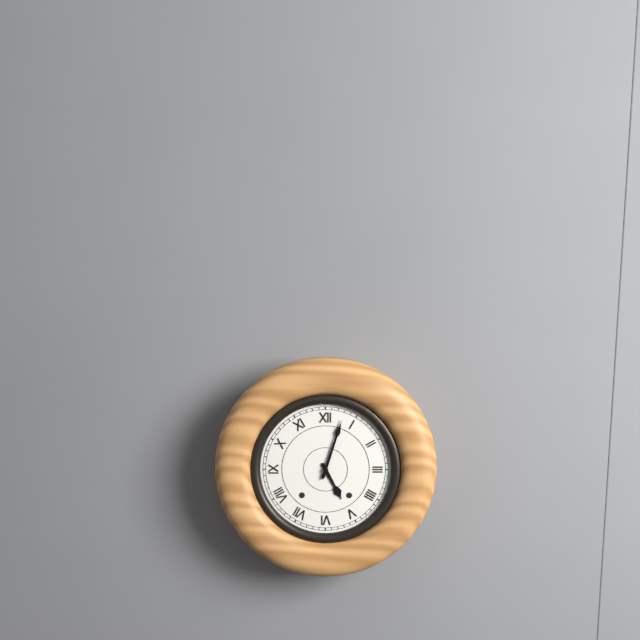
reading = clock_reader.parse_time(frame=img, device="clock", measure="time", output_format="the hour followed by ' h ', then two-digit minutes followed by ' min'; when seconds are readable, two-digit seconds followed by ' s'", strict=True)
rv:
5 h 03 min
